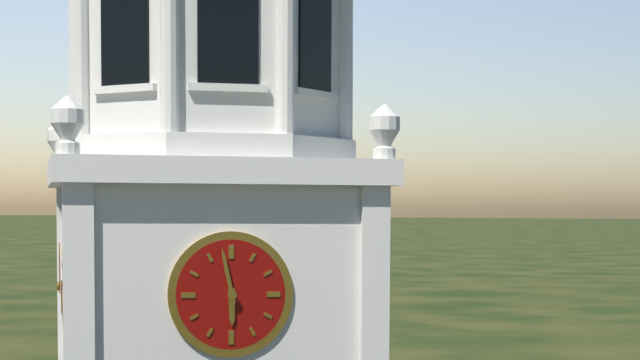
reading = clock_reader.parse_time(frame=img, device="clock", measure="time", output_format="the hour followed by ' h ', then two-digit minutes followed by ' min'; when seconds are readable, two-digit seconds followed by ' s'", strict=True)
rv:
5 h 58 min
